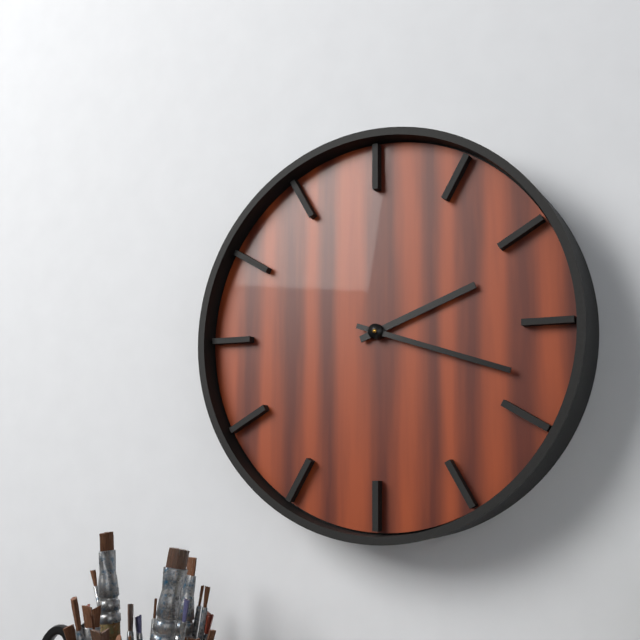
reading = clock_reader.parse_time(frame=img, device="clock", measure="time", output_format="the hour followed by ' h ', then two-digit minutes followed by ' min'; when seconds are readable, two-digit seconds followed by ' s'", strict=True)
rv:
2 h 18 min
